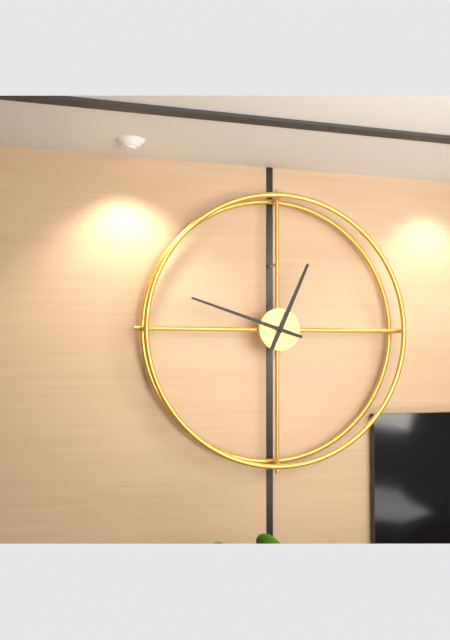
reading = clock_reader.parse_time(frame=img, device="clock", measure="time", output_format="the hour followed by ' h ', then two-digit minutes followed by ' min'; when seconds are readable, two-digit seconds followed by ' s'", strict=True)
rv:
12 h 48 min
